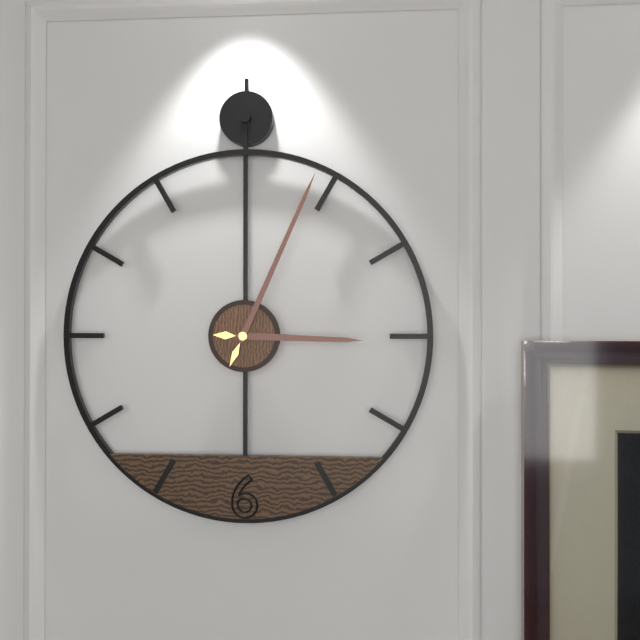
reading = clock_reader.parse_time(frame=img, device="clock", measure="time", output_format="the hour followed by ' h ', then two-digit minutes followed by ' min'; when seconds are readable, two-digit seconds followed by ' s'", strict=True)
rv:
3 h 04 min
